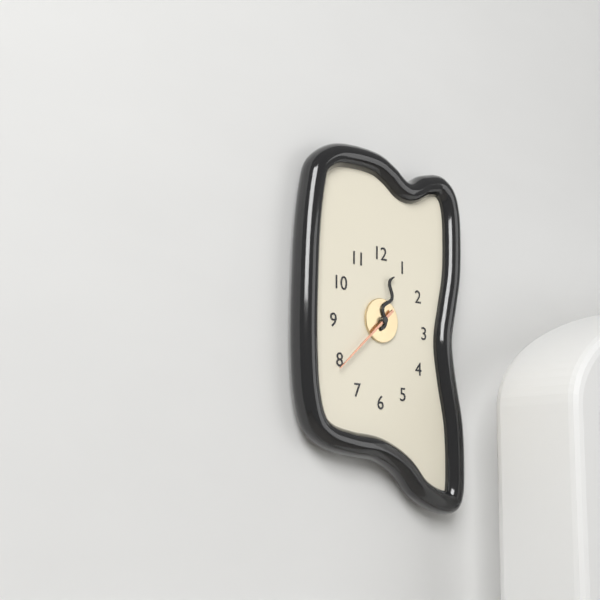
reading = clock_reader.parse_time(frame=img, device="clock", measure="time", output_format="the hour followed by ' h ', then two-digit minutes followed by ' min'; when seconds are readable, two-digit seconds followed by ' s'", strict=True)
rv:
12 h 38 min
